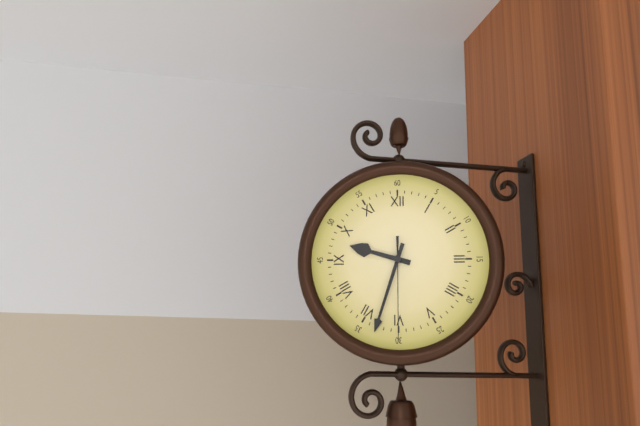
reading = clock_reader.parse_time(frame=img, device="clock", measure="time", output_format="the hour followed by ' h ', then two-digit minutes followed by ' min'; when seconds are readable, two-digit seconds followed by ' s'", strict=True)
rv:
9 h 33 min 30 s
